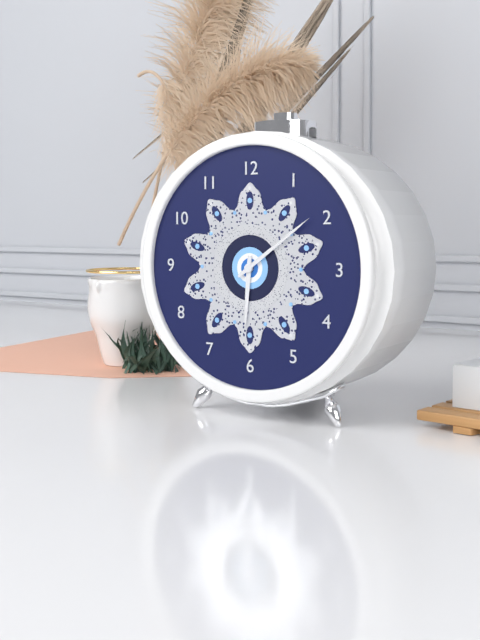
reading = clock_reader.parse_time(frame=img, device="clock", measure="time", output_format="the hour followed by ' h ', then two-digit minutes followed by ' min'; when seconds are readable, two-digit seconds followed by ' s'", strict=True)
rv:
6 h 09 min
